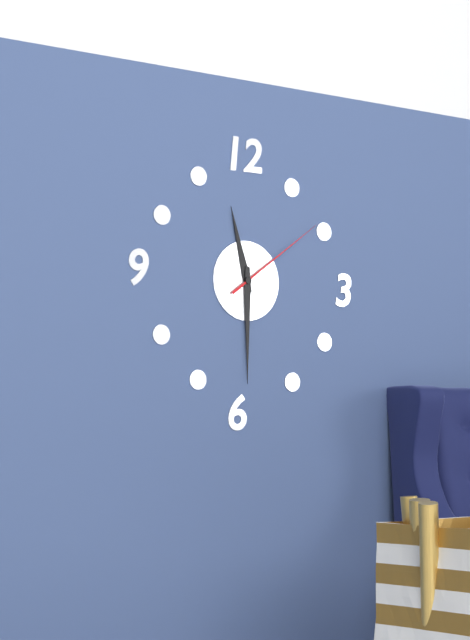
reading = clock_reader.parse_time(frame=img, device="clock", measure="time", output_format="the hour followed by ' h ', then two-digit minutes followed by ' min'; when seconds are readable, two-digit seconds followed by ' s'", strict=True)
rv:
11 h 30 min 09 s
